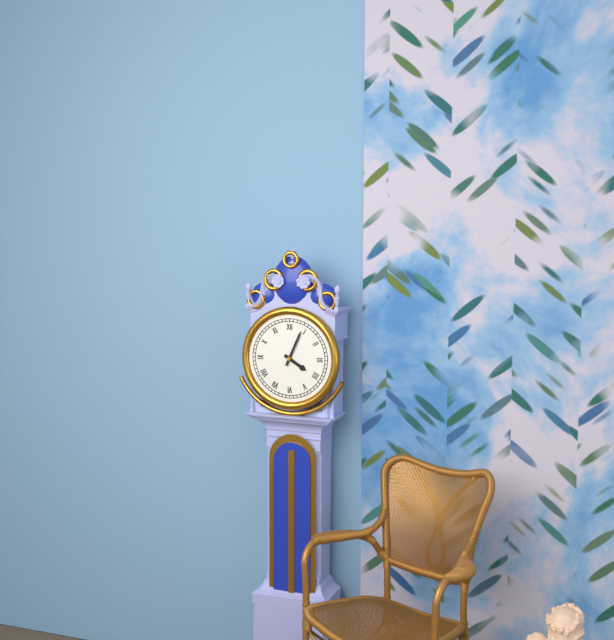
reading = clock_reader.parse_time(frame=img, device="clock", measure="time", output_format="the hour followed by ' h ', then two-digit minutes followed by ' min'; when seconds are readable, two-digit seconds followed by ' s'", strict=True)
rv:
4 h 04 min
